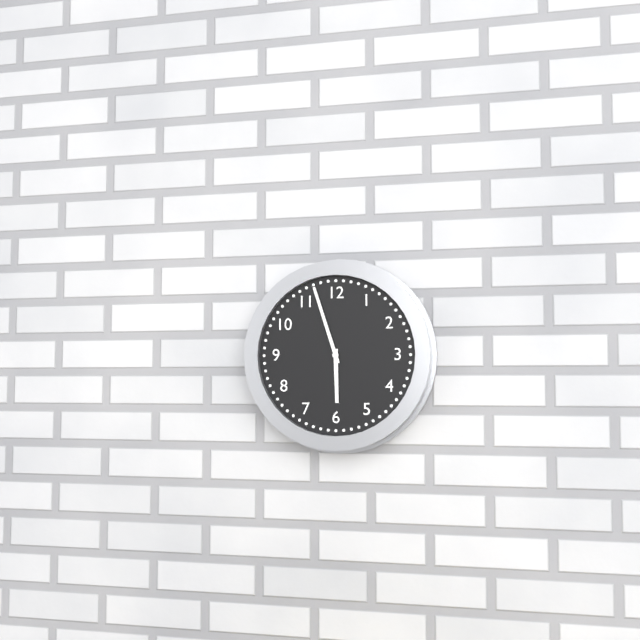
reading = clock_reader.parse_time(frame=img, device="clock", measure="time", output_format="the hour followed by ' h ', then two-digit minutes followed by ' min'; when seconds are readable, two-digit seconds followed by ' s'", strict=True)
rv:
5 h 57 min
